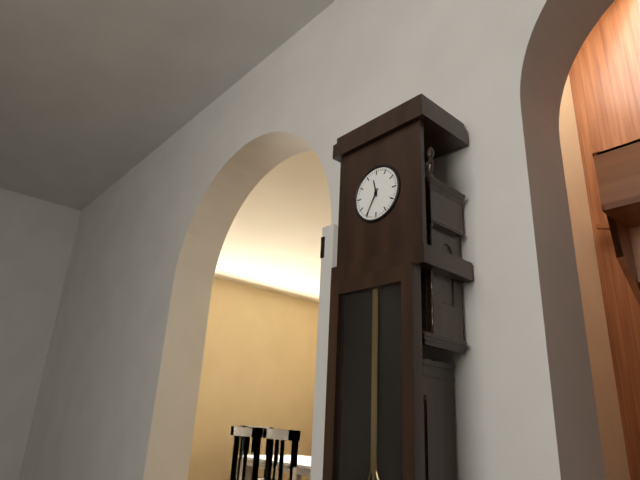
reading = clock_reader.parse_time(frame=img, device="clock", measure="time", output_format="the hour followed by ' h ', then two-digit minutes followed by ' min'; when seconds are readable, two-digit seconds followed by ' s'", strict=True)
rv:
11 h 35 min
